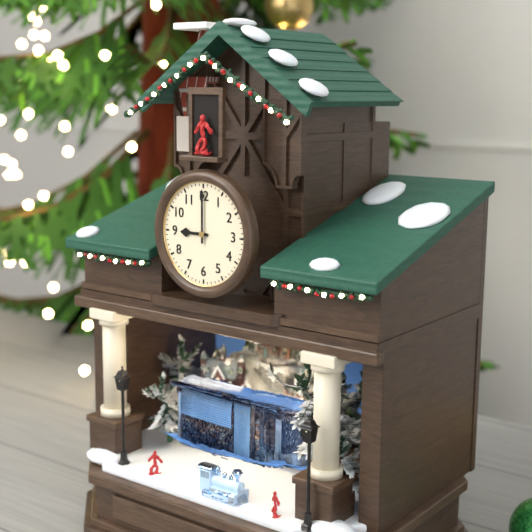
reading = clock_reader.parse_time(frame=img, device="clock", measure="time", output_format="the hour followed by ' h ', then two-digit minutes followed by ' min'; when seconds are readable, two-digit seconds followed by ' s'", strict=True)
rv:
9 h 00 min
